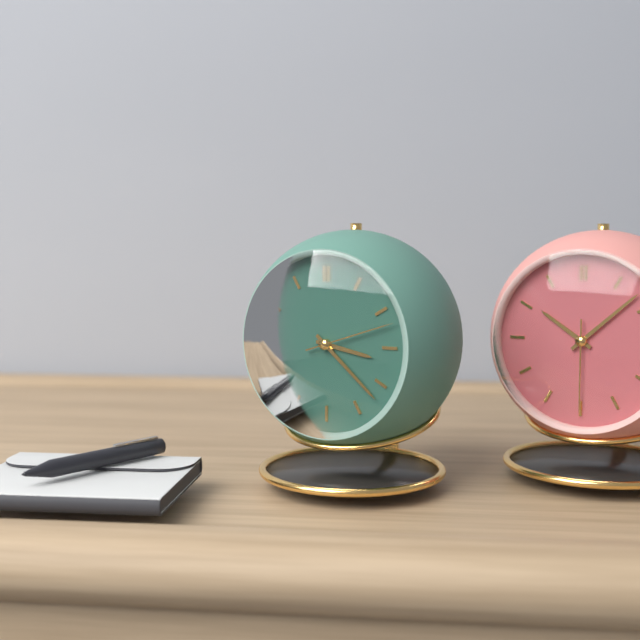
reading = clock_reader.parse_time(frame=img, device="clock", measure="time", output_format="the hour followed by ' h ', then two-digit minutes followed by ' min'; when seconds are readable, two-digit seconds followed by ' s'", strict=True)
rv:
3 h 22 min 12 s
